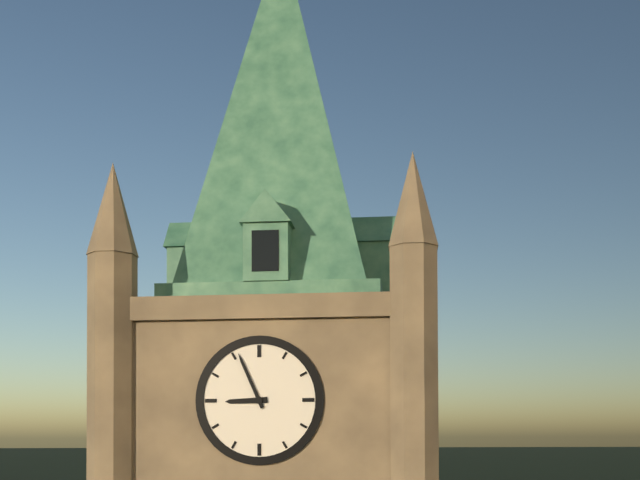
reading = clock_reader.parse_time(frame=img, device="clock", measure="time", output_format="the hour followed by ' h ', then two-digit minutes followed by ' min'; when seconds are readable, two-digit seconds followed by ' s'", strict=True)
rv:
8 h 56 min
